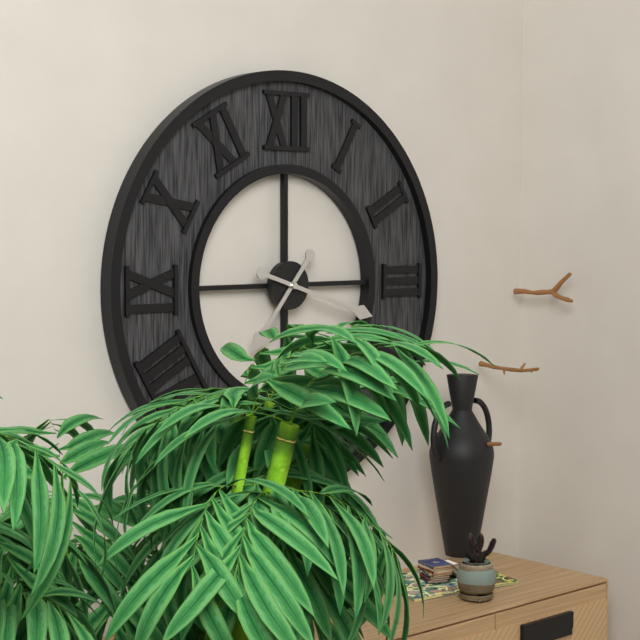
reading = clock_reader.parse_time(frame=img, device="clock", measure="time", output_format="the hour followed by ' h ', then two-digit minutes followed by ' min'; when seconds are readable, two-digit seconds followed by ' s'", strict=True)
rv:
7 h 18 min
